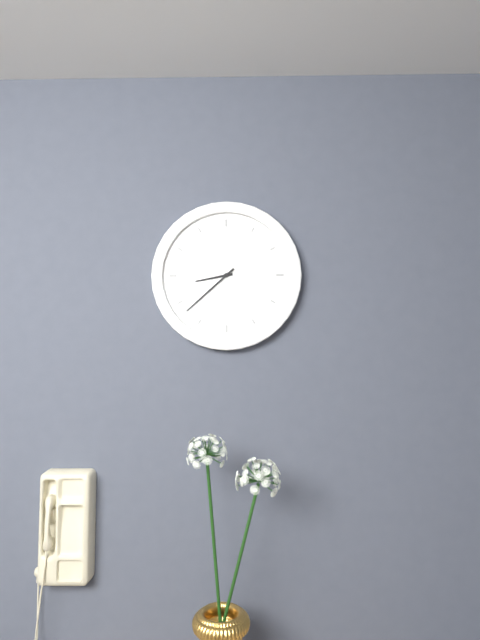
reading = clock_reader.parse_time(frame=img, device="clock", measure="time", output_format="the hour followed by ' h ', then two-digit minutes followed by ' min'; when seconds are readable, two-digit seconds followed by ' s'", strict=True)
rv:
8 h 38 min
